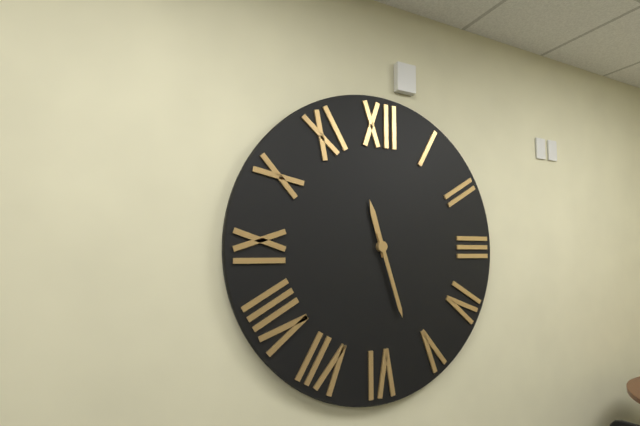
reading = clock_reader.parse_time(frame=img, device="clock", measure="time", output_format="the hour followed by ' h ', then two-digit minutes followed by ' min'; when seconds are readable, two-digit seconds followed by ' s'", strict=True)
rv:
11 h 27 min
